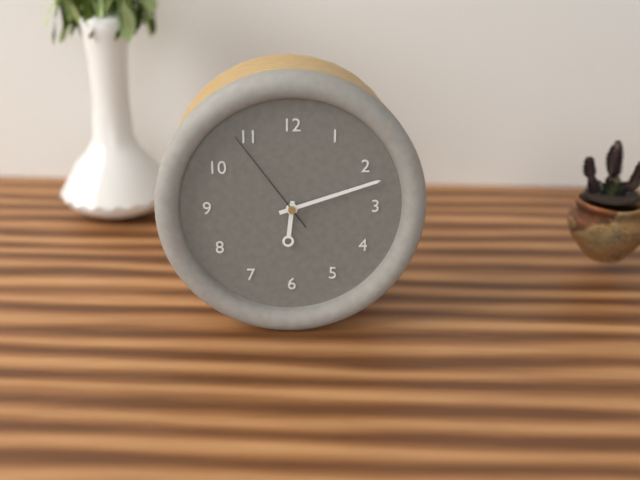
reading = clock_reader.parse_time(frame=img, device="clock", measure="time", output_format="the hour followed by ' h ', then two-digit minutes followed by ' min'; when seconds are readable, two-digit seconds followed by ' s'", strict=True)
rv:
6 h 12 min 54 s
